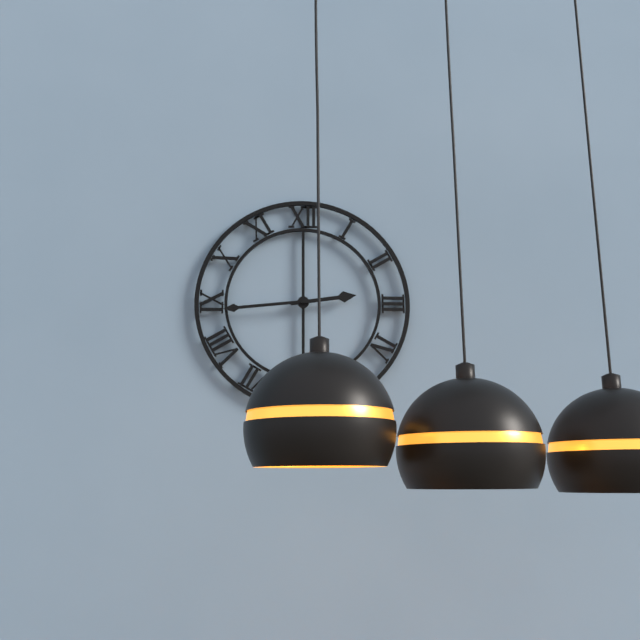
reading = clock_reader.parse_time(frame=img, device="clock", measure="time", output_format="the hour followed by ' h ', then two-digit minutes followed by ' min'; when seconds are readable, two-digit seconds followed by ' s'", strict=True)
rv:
2 h 44 min
